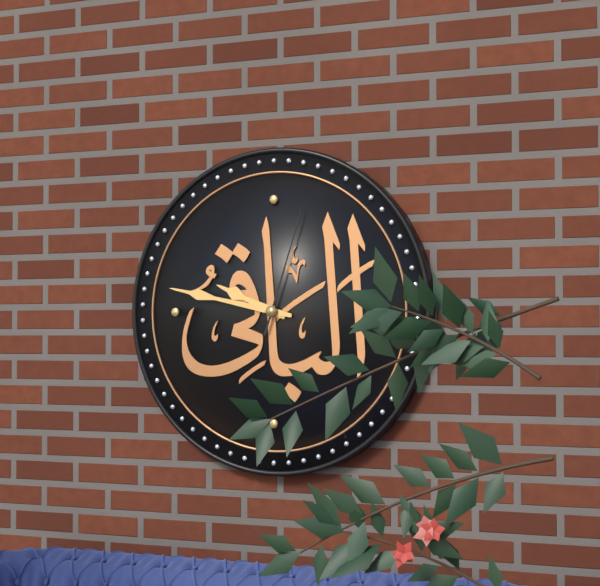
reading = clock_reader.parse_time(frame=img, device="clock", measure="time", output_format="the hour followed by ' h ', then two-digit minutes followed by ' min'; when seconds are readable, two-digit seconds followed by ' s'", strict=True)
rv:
9 h 47 min 03 s
